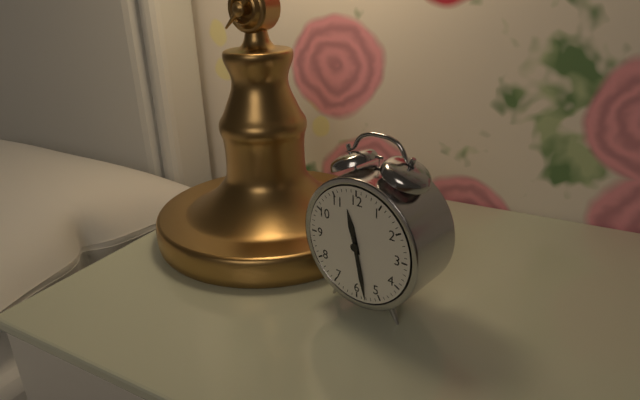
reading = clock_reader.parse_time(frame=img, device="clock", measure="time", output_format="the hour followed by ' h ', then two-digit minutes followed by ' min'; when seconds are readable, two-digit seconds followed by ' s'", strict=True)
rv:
11 h 28 min
